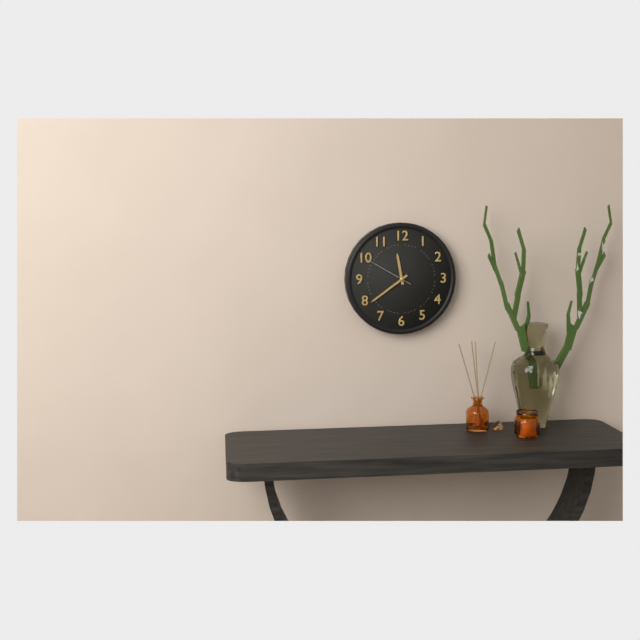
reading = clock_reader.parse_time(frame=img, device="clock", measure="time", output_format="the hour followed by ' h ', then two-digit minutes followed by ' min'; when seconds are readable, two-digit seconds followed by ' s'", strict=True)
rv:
11 h 39 min
